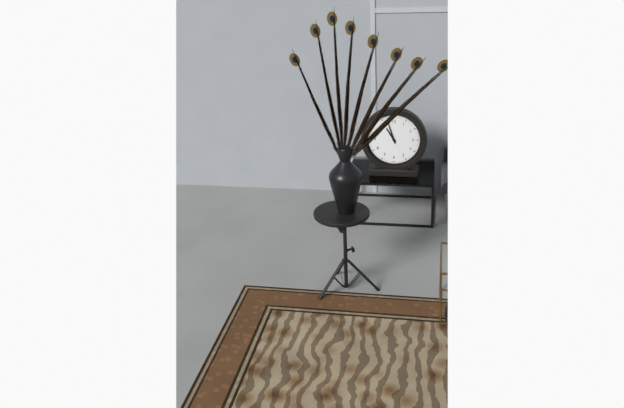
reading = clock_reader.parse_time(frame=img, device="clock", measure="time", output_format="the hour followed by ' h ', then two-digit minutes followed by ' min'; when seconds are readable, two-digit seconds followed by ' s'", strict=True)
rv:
10 h 57 min
